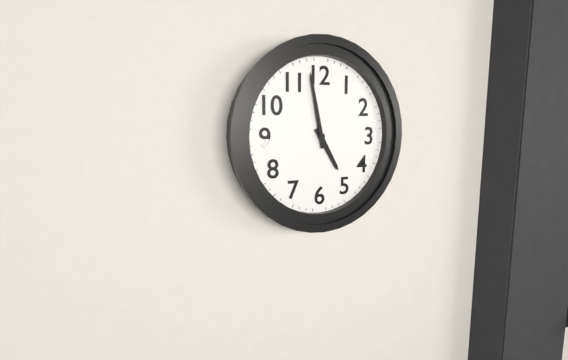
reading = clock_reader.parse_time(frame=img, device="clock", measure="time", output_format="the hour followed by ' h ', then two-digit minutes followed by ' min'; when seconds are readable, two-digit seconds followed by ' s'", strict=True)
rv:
4 h 58 min
